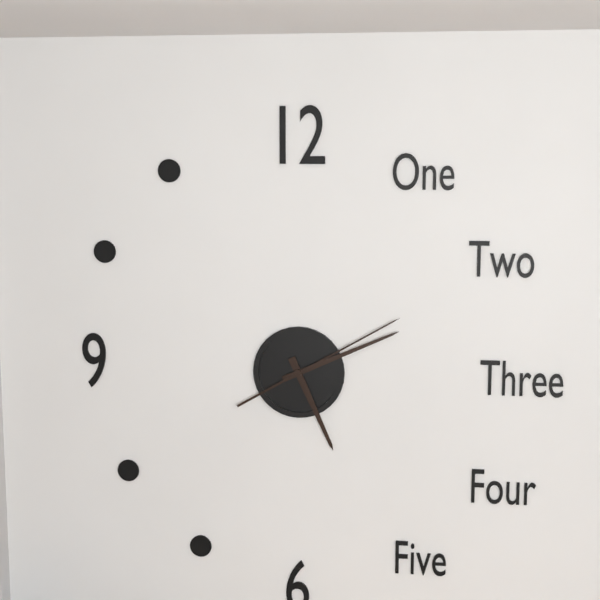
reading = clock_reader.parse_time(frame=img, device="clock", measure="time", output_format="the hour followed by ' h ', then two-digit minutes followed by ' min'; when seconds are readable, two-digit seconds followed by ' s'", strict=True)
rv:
5 h 11 min 10 s
